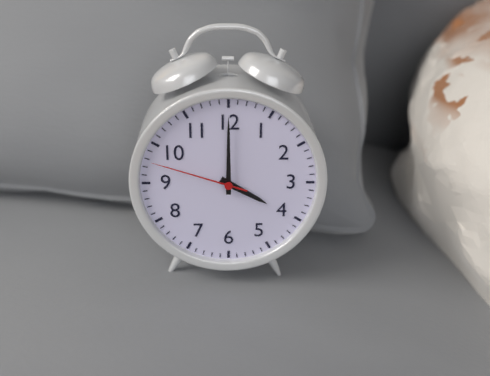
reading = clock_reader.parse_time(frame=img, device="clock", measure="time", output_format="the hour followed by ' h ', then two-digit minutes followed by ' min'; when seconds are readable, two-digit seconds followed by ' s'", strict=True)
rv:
4 h 00 min 48 s
